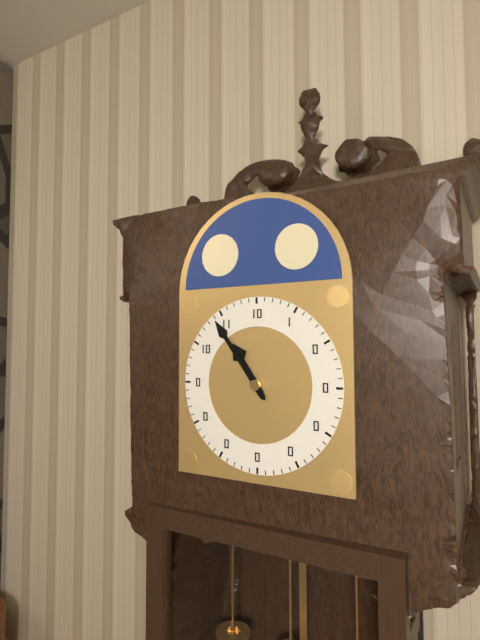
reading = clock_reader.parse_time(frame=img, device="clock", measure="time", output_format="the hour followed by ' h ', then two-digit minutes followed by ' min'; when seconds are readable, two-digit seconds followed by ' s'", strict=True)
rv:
10 h 54 min
